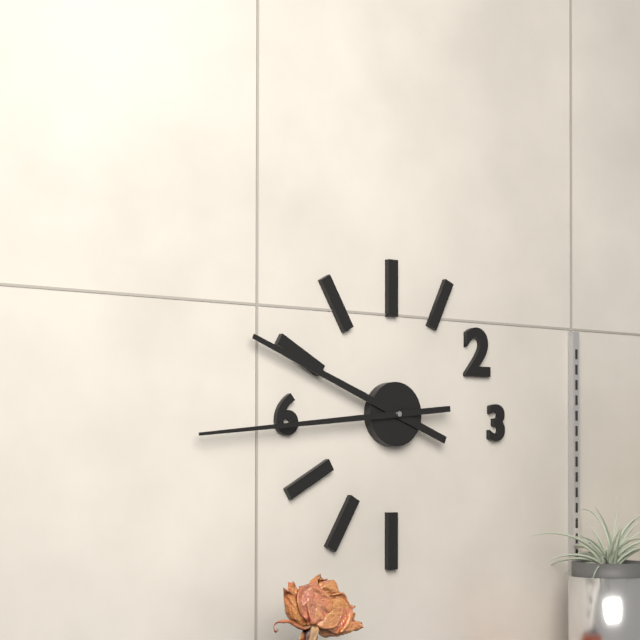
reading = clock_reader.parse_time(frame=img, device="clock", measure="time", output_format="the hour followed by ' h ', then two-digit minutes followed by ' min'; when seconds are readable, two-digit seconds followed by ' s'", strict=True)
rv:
9 h 44 min
